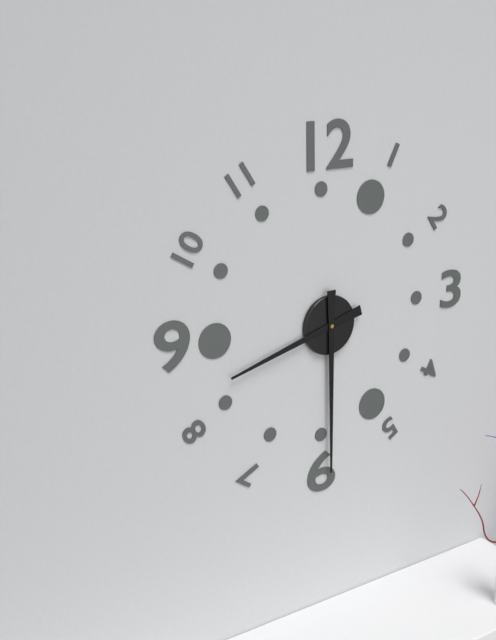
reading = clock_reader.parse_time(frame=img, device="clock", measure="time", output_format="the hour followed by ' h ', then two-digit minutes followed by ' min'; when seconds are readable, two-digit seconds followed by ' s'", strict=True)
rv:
8 h 30 min
